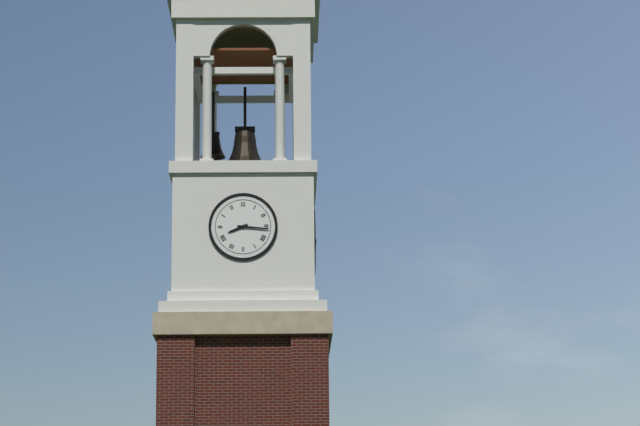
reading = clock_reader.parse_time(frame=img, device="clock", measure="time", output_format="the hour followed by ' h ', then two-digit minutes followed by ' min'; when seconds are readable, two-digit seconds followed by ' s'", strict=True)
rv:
8 h 16 min
